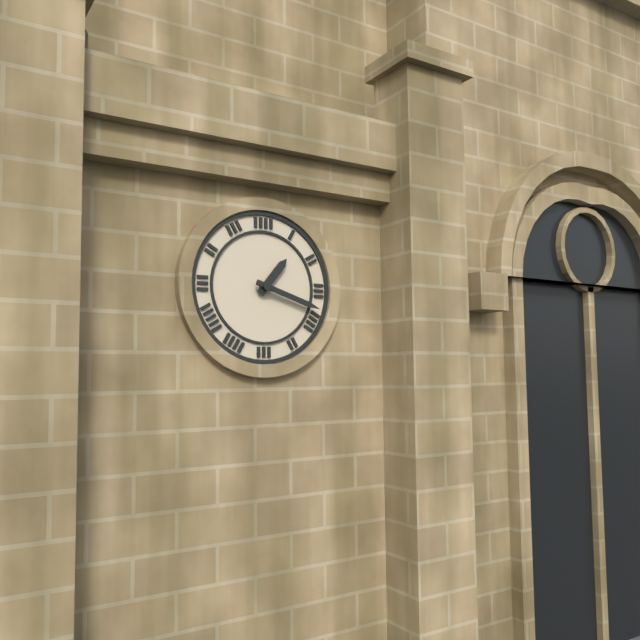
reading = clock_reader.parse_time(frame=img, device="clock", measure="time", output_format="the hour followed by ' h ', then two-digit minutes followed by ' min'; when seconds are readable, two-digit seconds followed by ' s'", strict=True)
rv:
1 h 18 min
